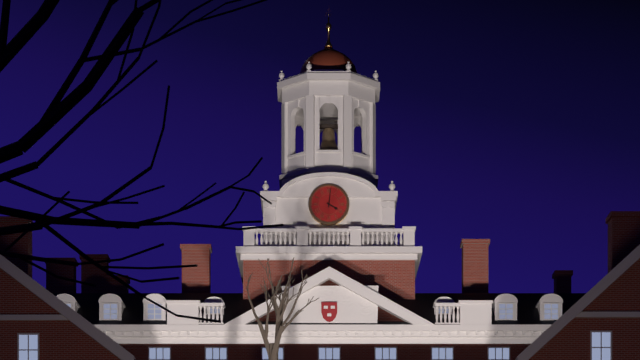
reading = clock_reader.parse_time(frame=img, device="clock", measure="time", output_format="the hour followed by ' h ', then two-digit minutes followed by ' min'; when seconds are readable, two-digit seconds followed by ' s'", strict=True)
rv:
4 h 01 min
